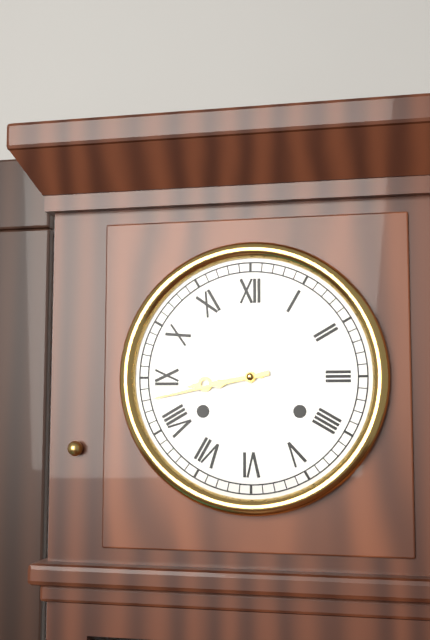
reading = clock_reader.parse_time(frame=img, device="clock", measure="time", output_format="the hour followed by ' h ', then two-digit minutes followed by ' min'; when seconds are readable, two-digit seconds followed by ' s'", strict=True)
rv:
8 h 43 min
